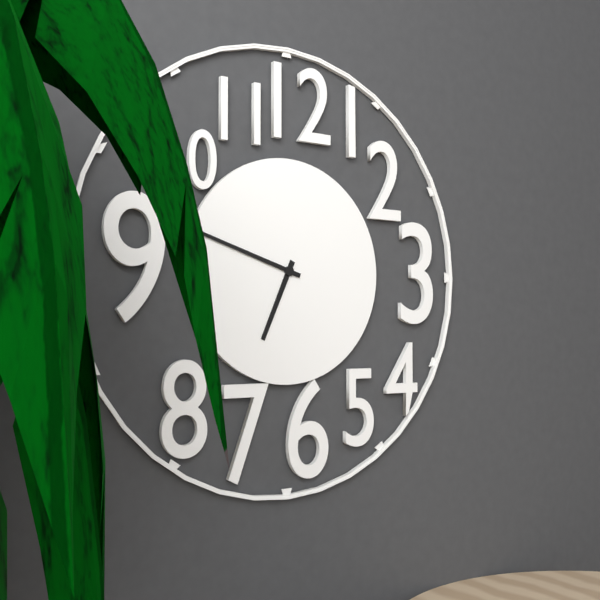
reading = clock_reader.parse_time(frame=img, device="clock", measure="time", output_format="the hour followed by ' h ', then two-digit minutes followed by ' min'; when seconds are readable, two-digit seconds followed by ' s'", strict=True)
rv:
6 h 48 min
